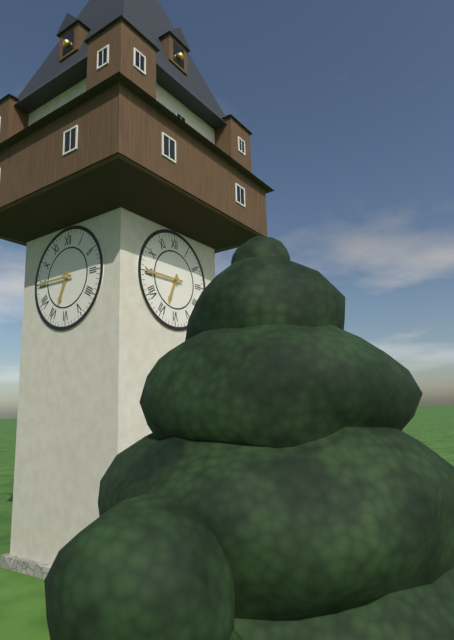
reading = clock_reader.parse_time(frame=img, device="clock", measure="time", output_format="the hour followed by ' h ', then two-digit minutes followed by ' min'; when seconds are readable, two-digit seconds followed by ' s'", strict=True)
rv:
6 h 45 min
